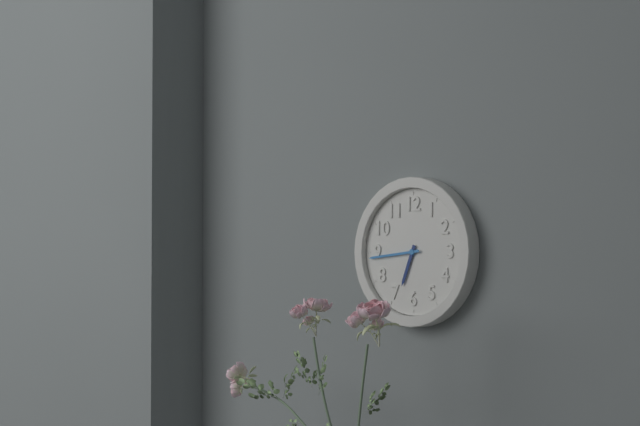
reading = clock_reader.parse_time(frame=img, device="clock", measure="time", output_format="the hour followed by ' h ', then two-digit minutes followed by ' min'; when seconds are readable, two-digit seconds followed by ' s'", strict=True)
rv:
6 h 44 min
